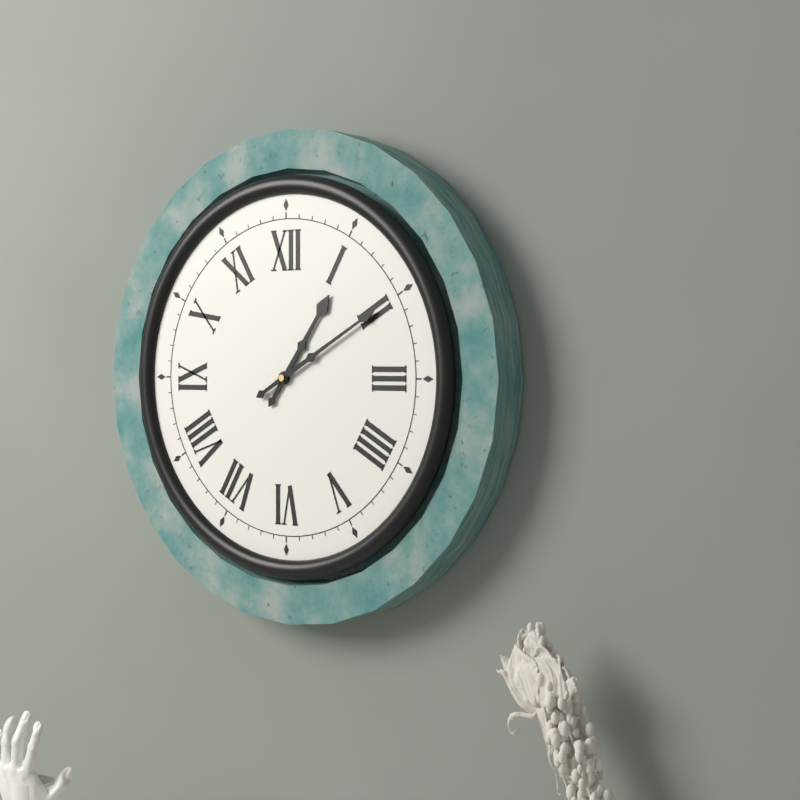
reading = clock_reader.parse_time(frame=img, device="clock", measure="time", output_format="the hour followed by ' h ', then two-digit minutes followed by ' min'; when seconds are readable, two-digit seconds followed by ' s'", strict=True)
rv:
1 h 10 min
